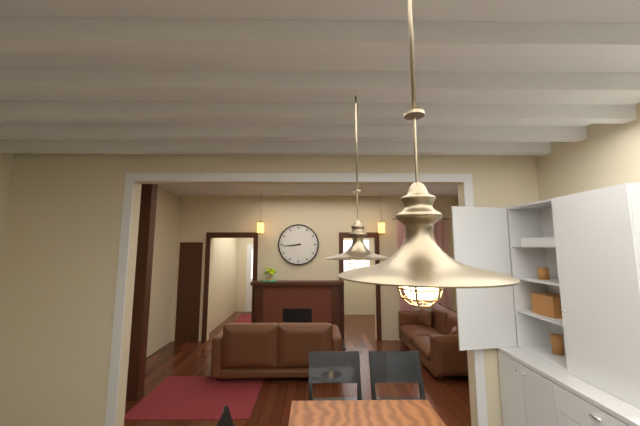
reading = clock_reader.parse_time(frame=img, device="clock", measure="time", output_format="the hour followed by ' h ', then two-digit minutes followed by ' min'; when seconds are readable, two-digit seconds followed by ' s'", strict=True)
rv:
8 h 44 min
